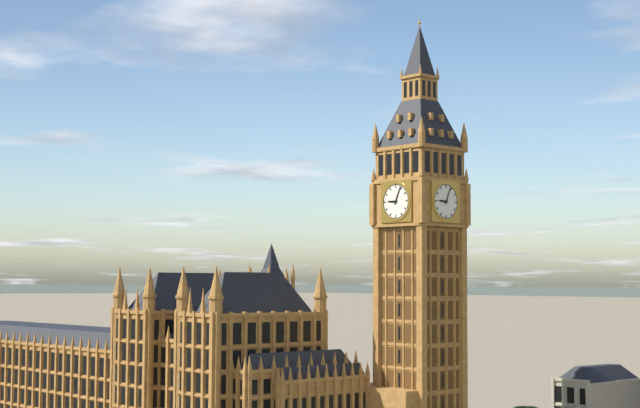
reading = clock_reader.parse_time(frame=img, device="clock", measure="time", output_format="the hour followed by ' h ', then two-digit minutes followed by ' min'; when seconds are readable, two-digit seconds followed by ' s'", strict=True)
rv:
9 h 04 min
